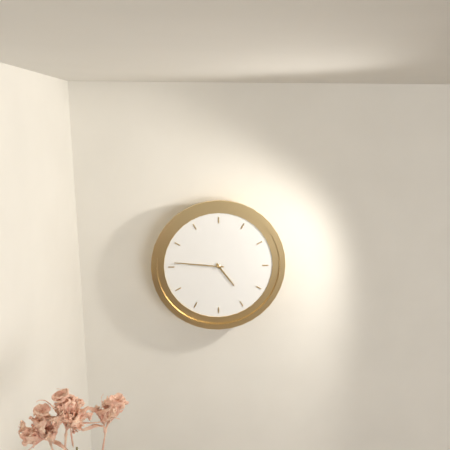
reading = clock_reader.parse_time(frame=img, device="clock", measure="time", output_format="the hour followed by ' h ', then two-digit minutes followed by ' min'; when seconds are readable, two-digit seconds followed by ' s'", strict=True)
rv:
4 h 46 min
